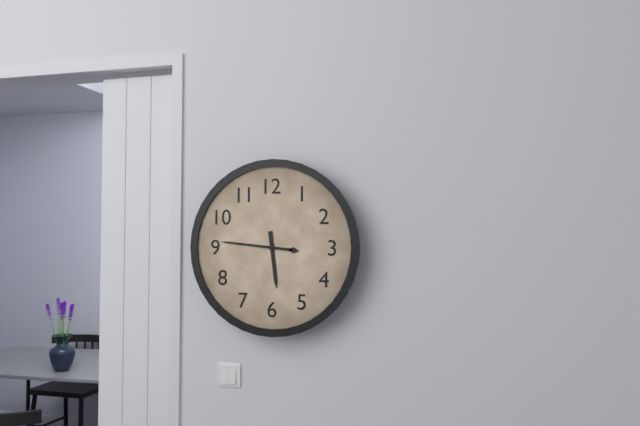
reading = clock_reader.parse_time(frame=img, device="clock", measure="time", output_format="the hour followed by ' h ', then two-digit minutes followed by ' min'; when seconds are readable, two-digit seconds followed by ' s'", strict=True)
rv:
5 h 46 min
